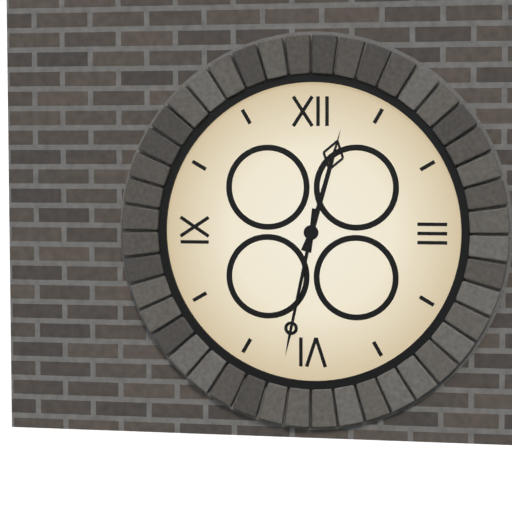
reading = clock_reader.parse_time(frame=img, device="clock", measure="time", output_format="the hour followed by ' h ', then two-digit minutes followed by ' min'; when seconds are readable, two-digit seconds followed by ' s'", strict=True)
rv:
12 h 32 min
